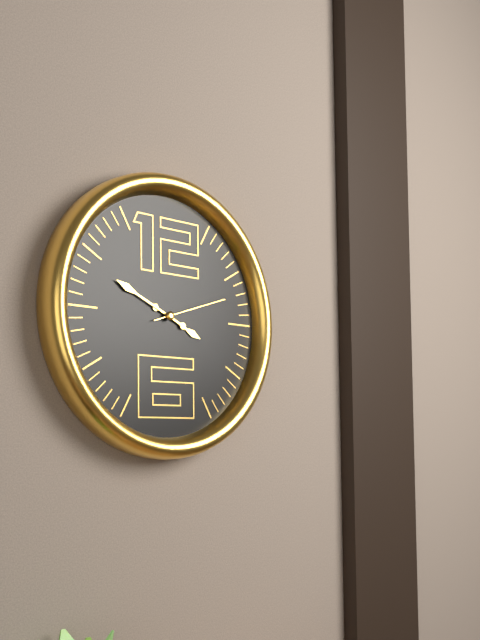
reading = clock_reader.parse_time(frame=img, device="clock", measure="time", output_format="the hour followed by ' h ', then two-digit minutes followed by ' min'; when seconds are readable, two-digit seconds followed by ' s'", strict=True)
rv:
3 h 49 min 12 s
